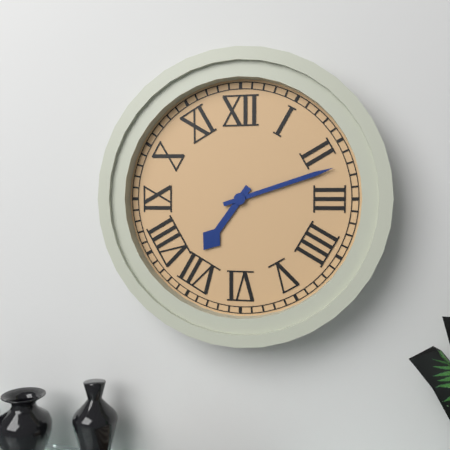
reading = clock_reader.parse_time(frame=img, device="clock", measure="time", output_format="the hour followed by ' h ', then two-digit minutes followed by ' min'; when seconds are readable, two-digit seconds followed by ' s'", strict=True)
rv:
7 h 12 min
